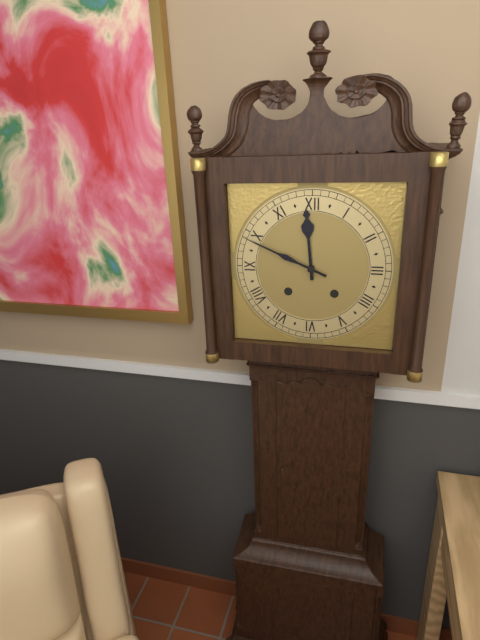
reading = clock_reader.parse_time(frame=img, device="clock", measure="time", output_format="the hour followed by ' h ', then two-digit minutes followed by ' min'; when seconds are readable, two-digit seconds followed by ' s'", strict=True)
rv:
11 h 49 min
